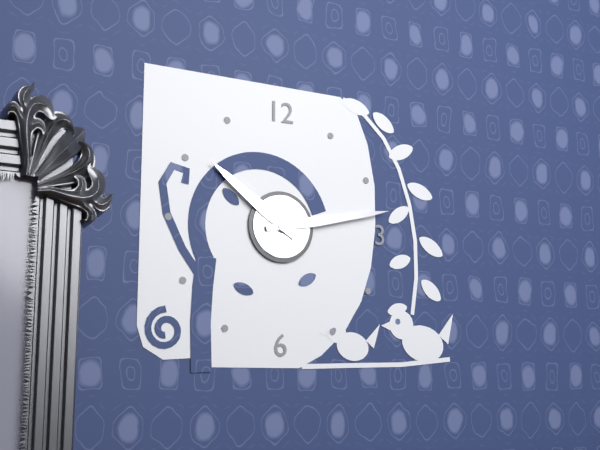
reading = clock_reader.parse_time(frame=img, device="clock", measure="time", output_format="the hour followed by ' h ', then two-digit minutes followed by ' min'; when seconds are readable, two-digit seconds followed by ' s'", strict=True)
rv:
10 h 13 min
